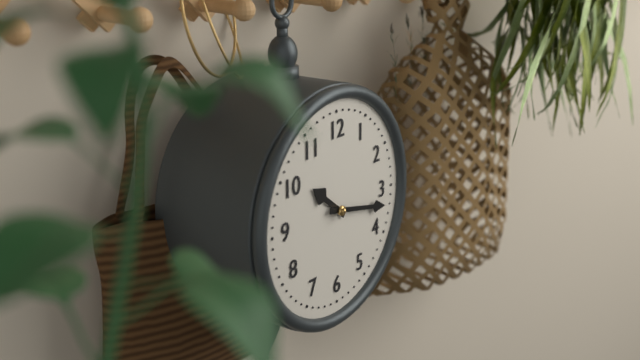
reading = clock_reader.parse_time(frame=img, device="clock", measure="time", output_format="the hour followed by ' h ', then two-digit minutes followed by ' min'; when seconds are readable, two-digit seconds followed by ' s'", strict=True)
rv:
10 h 17 min
